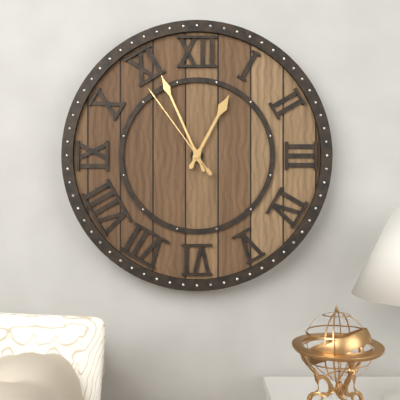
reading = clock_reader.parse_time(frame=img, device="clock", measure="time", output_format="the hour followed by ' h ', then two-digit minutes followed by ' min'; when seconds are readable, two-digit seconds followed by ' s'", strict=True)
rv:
12 h 56 min 54 s
